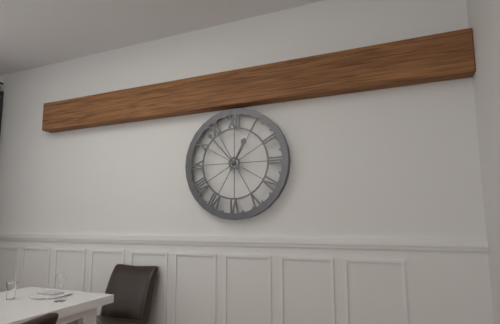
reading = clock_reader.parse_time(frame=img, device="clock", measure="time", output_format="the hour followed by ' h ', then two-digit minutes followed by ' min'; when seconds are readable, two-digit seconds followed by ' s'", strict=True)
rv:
12 h 53 min
